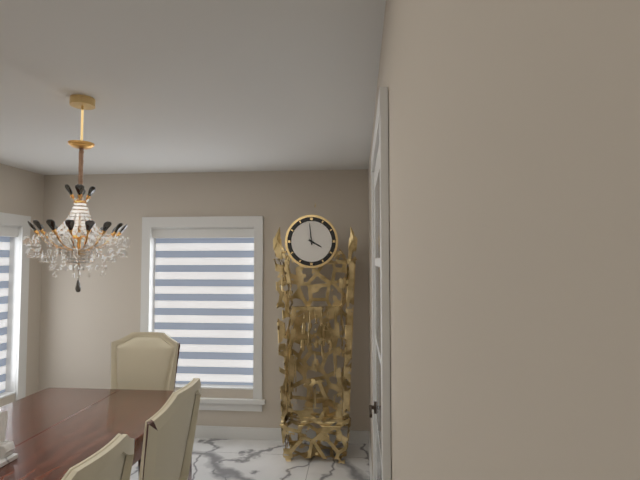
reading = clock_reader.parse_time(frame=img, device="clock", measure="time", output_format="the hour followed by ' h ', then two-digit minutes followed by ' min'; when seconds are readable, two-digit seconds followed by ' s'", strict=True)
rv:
3 h 59 min
